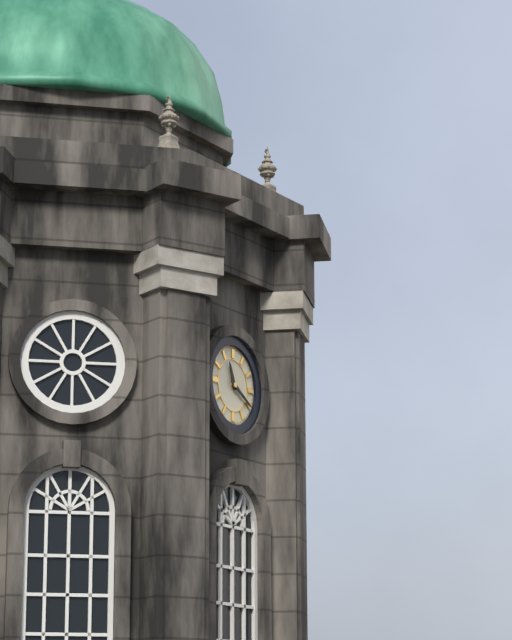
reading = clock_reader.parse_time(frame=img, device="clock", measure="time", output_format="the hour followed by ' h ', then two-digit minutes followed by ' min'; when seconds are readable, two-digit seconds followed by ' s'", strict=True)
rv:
11 h 20 min
